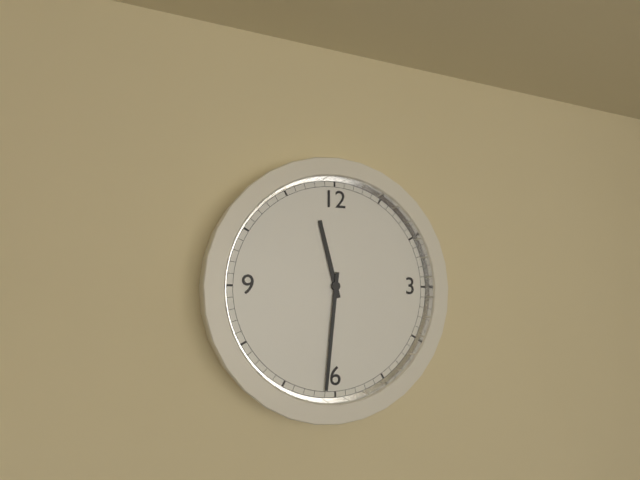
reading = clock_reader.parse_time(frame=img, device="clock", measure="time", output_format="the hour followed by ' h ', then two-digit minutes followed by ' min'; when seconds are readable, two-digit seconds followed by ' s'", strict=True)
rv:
11 h 31 min
